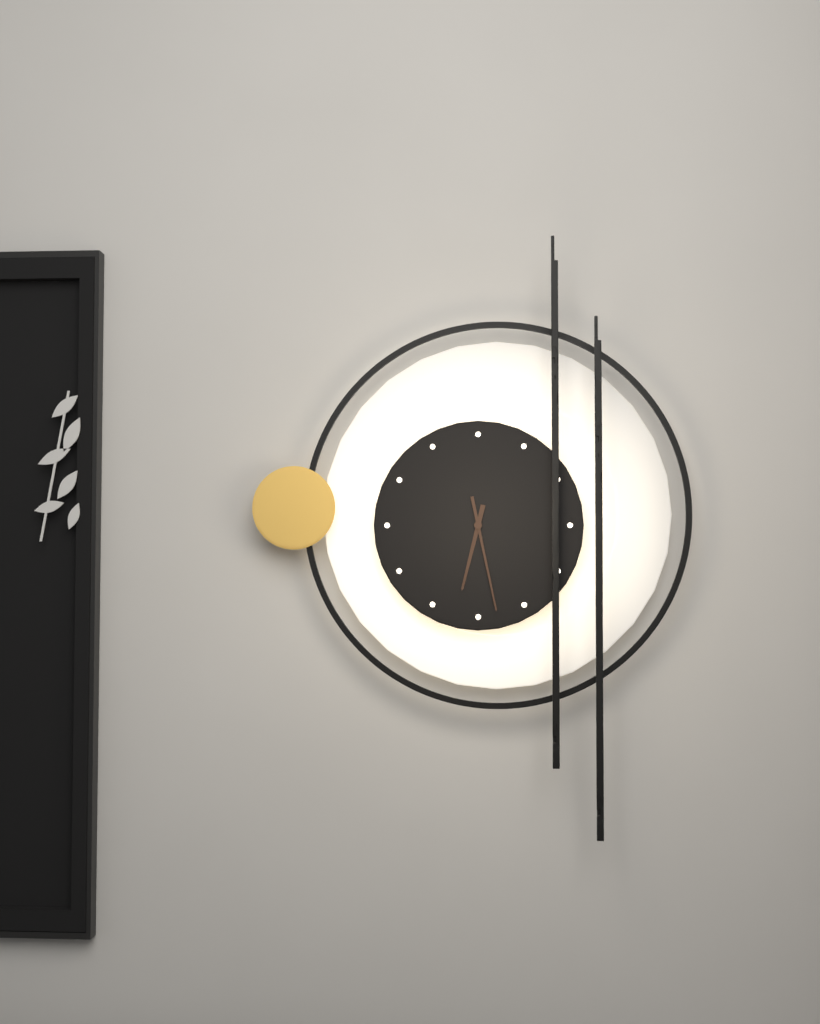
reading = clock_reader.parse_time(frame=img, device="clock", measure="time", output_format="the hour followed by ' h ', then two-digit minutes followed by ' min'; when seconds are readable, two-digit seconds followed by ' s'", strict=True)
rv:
6 h 28 min
